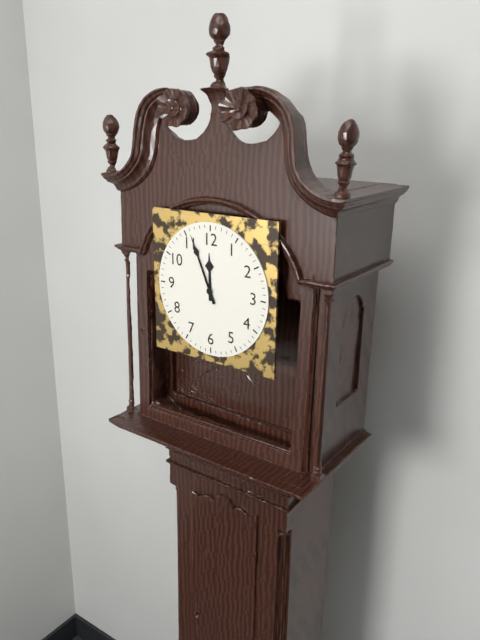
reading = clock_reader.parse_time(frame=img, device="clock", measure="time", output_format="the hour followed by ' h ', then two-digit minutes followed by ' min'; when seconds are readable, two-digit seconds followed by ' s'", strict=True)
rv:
11 h 56 min
